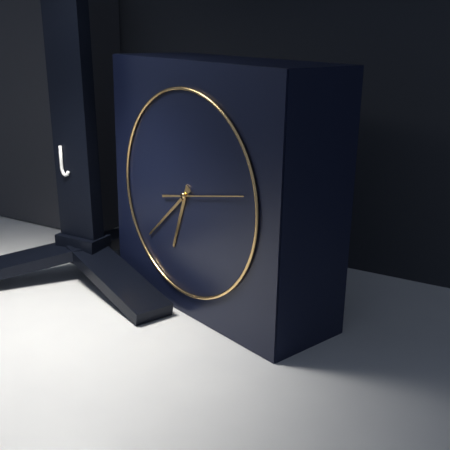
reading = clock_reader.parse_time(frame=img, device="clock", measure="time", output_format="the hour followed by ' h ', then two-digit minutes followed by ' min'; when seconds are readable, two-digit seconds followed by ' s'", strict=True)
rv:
6 h 38 min 13 s
